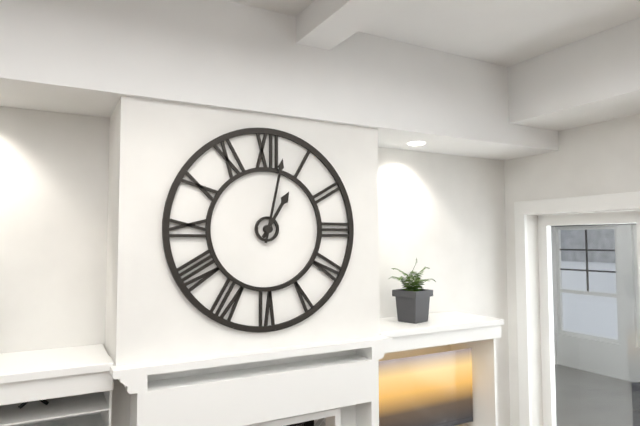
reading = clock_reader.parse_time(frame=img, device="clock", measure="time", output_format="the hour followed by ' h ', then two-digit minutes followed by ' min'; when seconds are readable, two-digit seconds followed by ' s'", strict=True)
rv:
1 h 02 min
